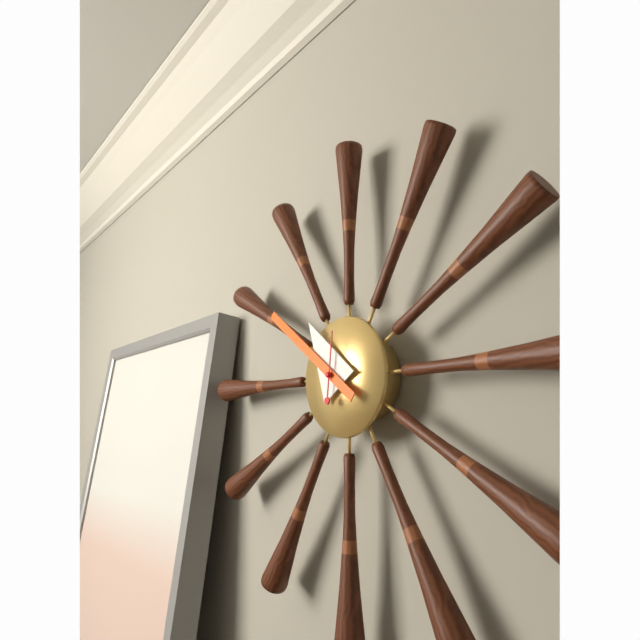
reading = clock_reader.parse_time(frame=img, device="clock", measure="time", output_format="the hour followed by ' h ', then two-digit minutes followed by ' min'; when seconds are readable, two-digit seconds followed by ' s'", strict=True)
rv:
10 h 51 min 01 s
